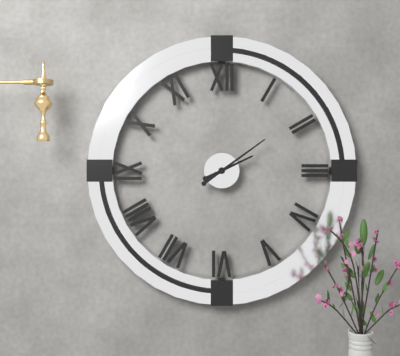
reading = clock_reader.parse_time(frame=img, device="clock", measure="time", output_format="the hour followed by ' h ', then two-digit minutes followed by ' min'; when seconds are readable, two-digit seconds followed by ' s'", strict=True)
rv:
2 h 09 min
